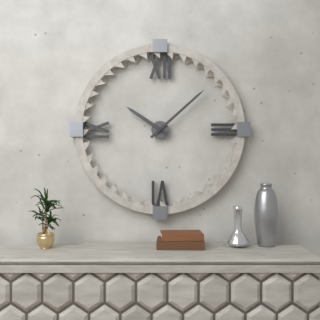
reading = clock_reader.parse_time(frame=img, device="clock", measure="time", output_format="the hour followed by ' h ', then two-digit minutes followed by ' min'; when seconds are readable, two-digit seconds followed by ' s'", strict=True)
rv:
10 h 08 min
